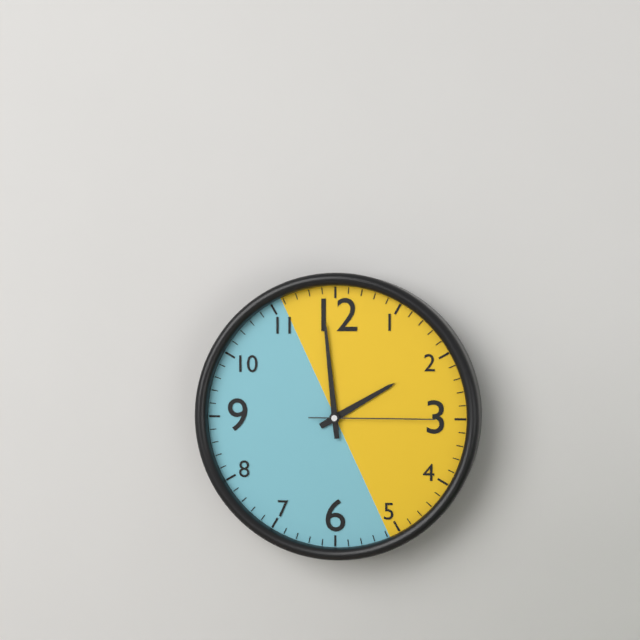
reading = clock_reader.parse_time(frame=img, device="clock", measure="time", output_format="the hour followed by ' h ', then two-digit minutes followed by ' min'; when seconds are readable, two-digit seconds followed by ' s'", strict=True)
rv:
1 h 59 min 15 s
